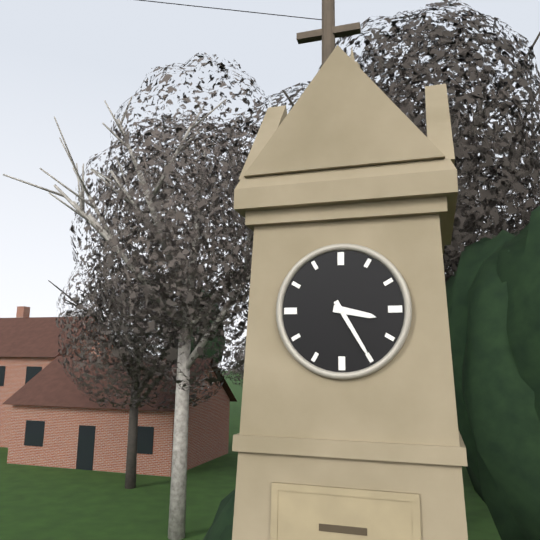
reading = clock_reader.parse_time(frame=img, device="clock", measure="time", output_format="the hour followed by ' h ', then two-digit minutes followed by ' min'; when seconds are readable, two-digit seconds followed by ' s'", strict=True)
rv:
3 h 25 min
